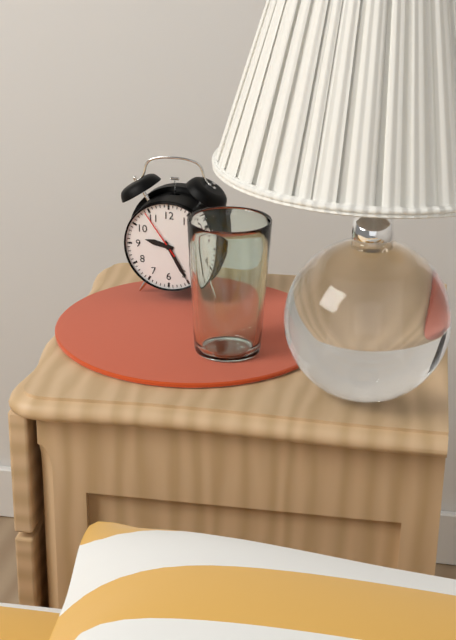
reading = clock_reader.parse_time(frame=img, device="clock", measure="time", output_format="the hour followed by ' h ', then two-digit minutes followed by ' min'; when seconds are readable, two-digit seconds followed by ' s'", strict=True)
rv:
9 h 25 min 54 s
